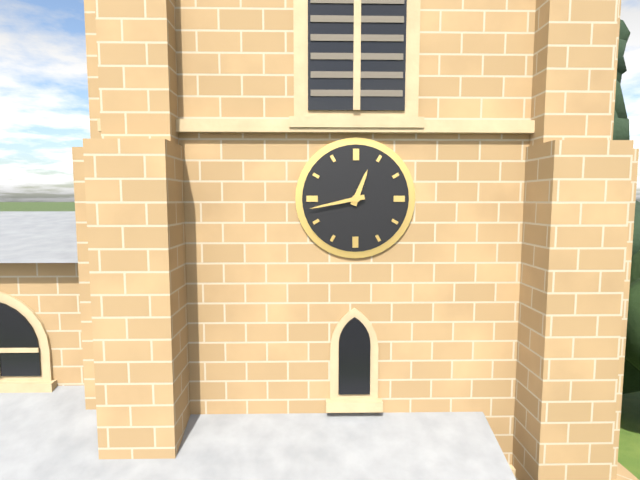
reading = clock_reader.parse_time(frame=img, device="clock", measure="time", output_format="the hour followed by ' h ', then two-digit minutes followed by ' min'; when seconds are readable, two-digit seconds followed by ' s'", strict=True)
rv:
12 h 43 min
